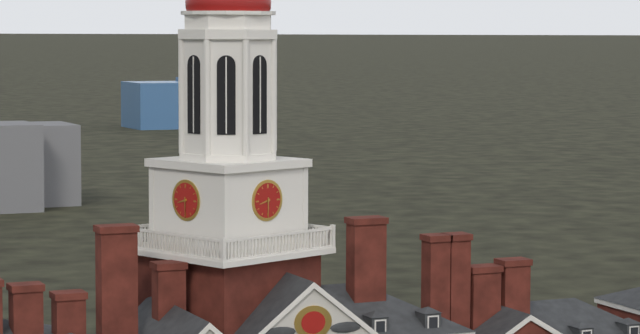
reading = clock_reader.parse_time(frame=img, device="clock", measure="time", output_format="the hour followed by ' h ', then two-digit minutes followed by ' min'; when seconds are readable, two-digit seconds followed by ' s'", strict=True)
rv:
8 h 30 min
